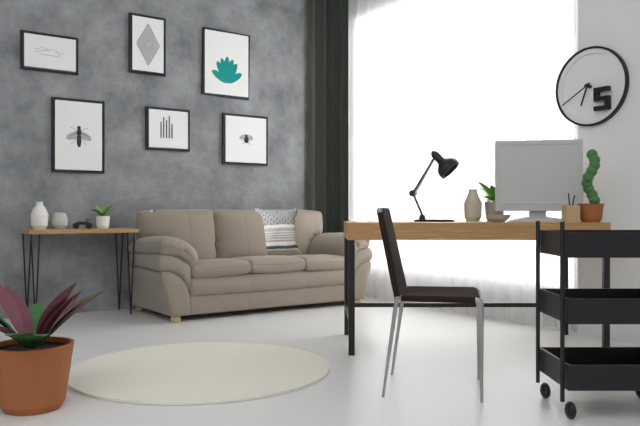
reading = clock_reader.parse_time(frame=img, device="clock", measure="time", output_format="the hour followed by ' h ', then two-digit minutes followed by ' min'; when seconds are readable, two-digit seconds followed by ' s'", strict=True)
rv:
6 h 40 min
